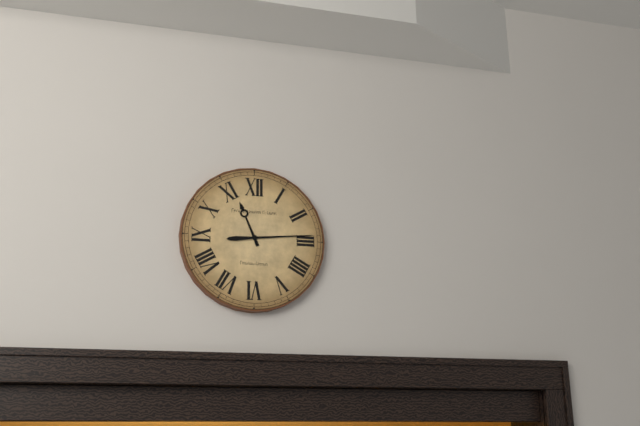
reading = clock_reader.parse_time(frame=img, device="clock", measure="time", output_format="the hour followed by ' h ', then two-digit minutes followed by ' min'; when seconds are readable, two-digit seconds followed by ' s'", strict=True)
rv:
11 h 14 min
